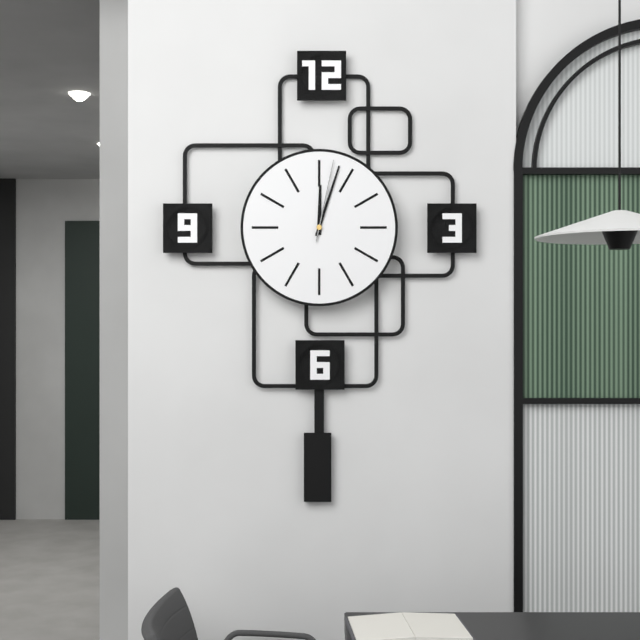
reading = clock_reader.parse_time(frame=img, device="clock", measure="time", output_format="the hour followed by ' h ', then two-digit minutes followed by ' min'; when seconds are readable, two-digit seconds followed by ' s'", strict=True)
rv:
12 h 03 min 02 s
